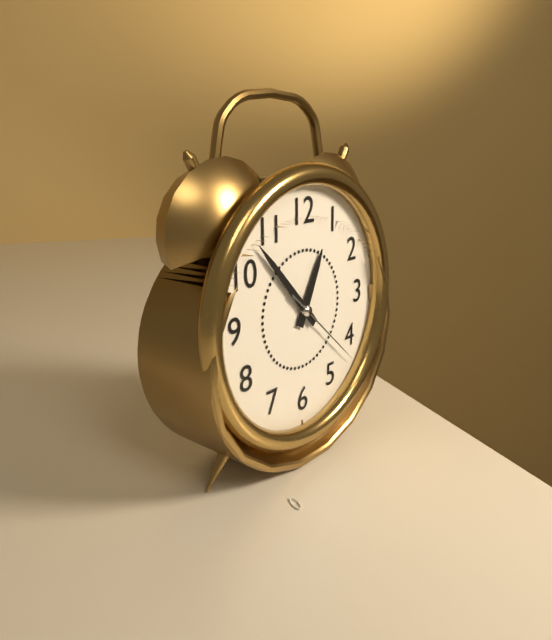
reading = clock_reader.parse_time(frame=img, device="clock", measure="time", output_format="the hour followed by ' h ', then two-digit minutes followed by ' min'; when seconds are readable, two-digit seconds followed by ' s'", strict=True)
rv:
12 h 53 min 22 s
